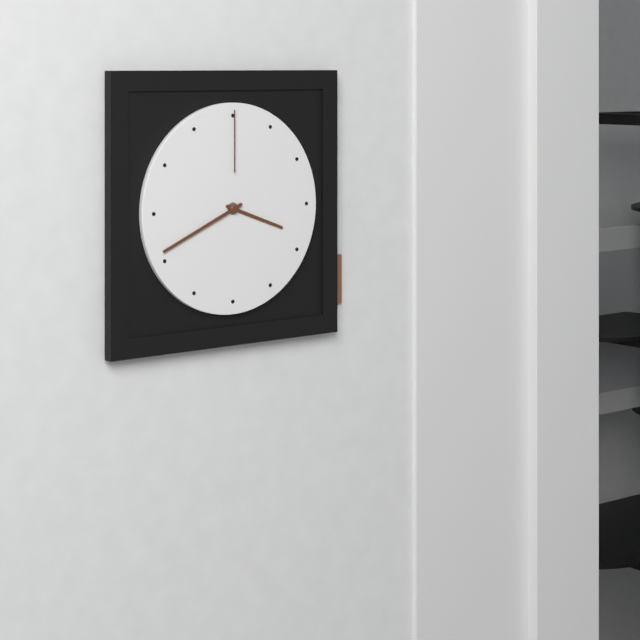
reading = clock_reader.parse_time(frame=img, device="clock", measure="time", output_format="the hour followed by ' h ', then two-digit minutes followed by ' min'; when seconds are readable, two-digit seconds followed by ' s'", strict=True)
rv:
3 h 41 min 00 s
